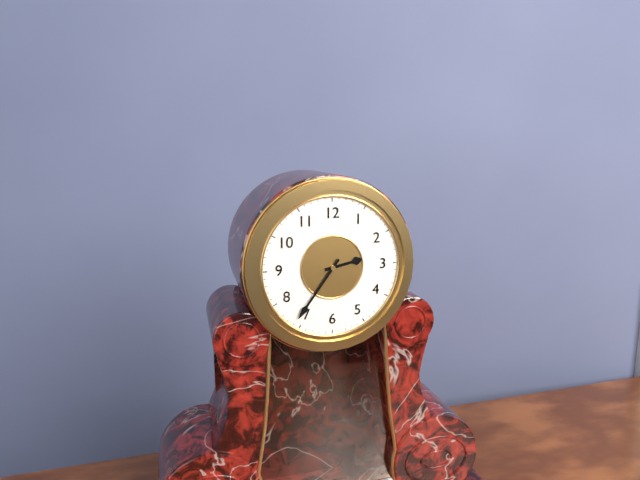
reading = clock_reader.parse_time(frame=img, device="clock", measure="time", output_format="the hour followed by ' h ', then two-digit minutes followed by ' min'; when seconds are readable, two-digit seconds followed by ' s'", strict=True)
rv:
2 h 36 min
